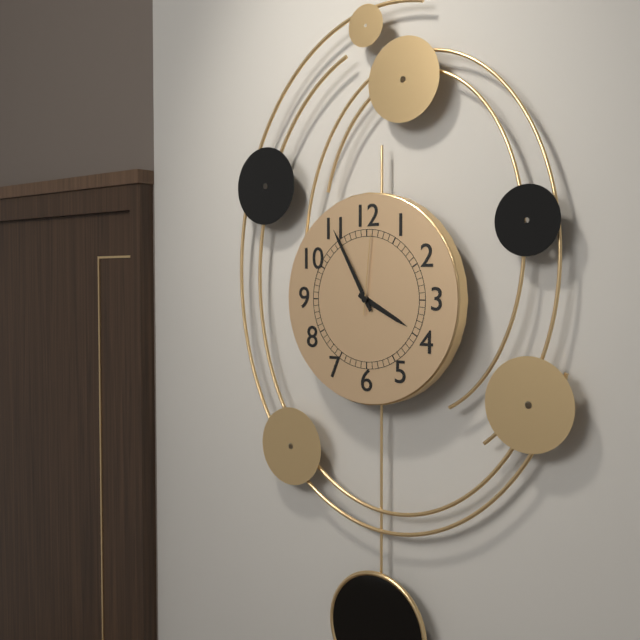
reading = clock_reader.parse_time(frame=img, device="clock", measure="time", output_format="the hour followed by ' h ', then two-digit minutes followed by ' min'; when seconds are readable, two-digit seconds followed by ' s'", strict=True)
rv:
3 h 55 min 01 s
